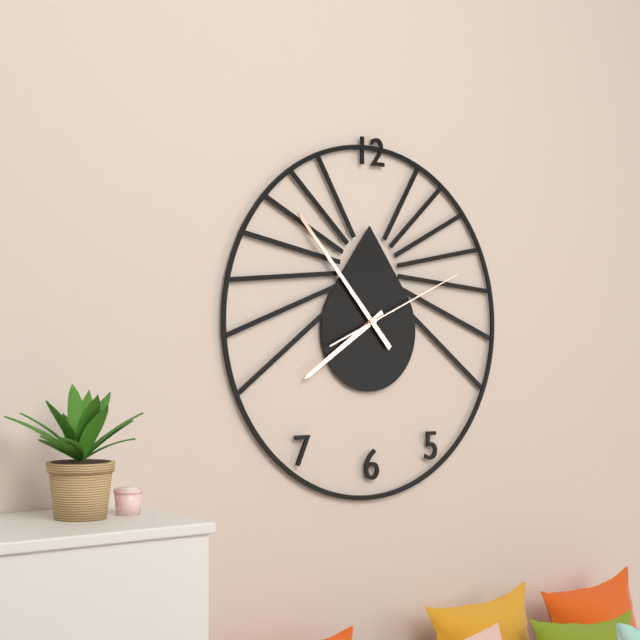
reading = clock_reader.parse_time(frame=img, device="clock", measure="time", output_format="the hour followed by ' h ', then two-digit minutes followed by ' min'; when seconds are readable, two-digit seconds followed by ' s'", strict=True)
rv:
7 h 53 min 11 s
